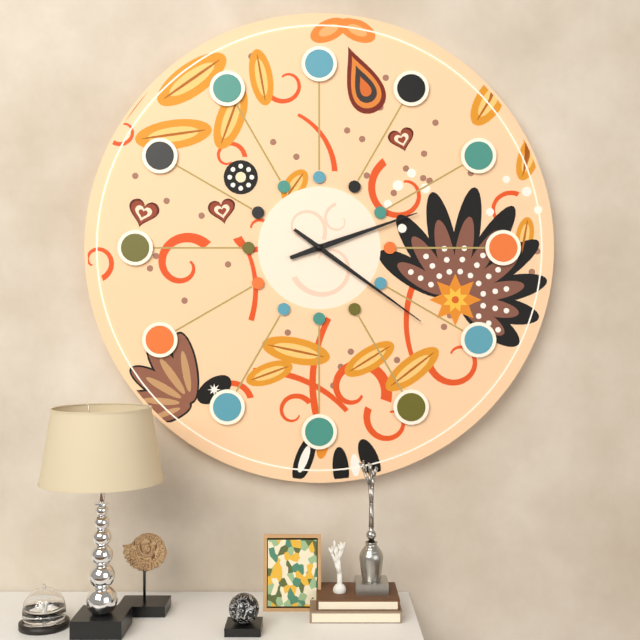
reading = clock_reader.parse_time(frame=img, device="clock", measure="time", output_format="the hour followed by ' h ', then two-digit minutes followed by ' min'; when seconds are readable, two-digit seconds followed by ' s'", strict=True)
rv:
2 h 21 min
